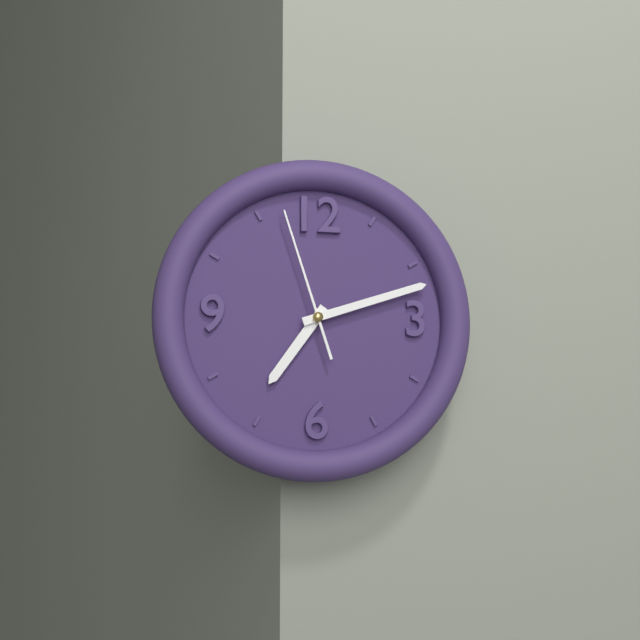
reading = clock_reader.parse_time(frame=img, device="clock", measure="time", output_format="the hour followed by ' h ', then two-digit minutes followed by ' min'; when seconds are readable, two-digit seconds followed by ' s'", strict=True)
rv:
7 h 12 min 57 s
